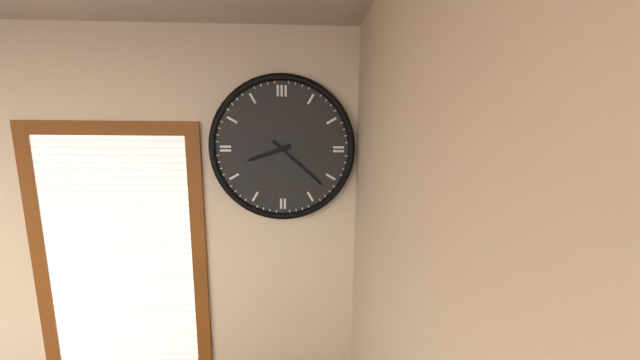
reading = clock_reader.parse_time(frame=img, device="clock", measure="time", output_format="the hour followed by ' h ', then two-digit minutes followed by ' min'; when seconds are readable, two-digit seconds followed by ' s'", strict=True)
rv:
8 h 22 min
